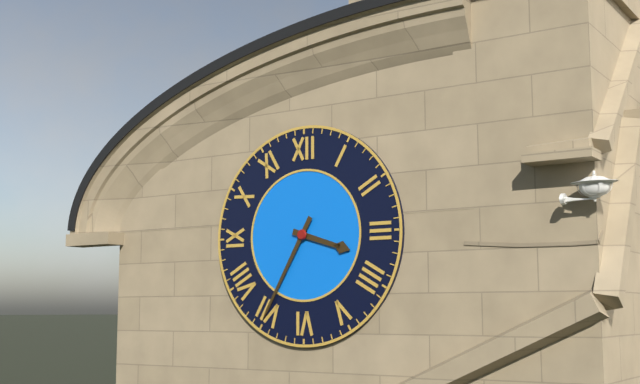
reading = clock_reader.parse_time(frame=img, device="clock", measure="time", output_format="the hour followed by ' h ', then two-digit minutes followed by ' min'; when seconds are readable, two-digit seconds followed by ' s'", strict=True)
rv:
3 h 35 min
